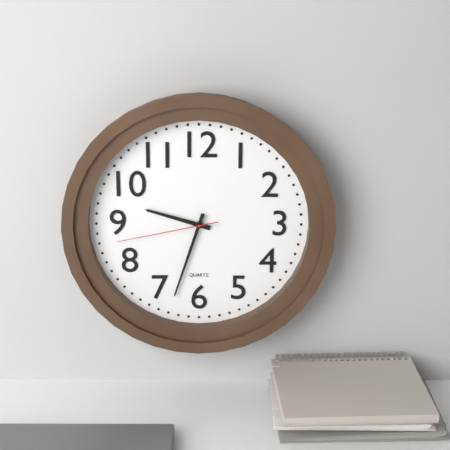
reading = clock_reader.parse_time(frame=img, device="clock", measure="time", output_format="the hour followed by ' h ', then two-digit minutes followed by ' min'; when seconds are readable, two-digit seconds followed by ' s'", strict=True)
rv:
9 h 33 min 43 s
